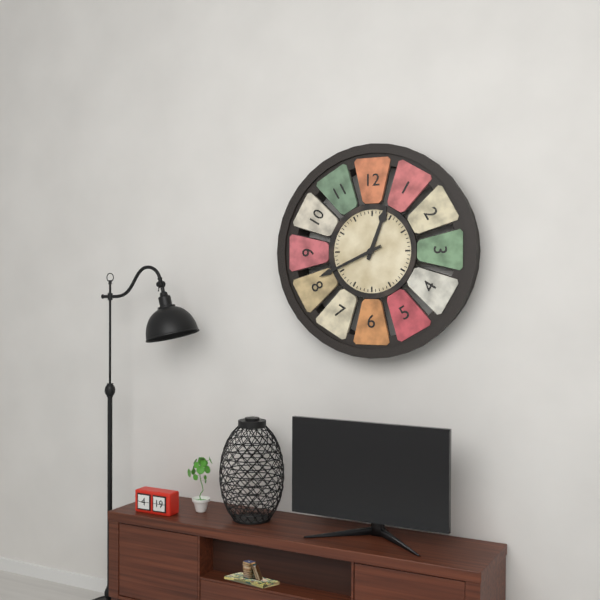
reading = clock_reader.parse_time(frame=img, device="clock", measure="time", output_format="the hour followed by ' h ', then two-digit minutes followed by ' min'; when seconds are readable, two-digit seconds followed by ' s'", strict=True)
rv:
12 h 41 min
